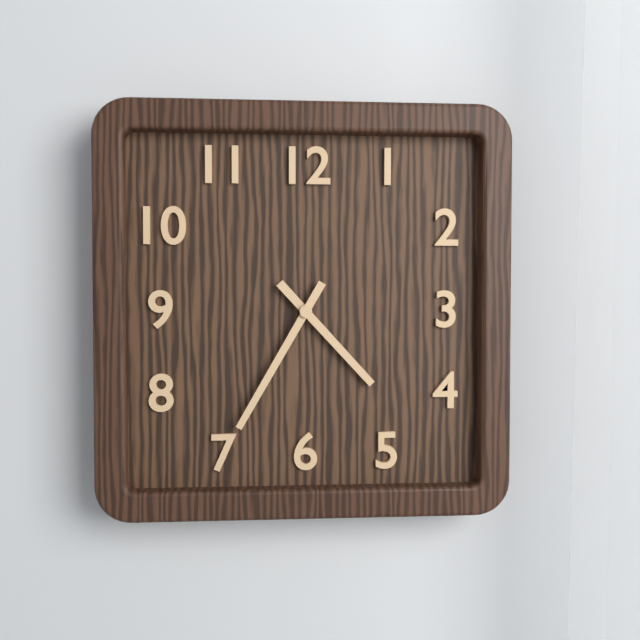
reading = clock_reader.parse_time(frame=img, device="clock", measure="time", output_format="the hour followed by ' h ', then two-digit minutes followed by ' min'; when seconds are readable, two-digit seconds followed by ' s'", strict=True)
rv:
4 h 35 min
